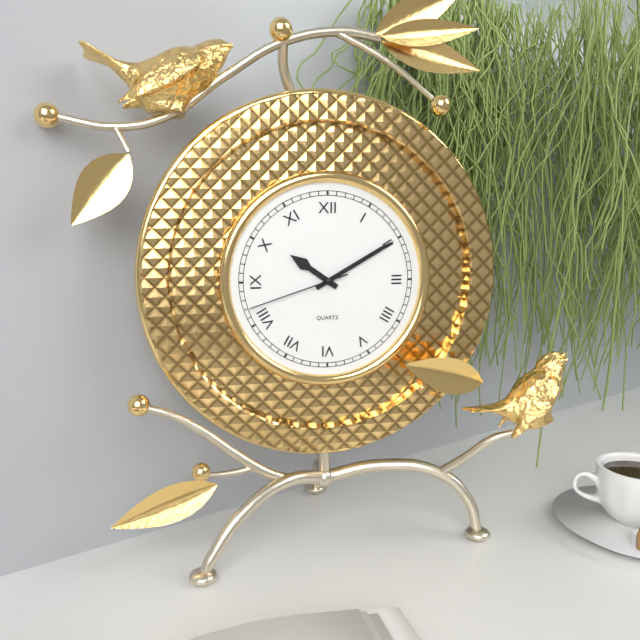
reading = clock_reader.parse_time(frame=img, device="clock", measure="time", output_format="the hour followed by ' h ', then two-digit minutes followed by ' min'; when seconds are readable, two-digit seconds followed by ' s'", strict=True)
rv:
10 h 10 min 42 s
